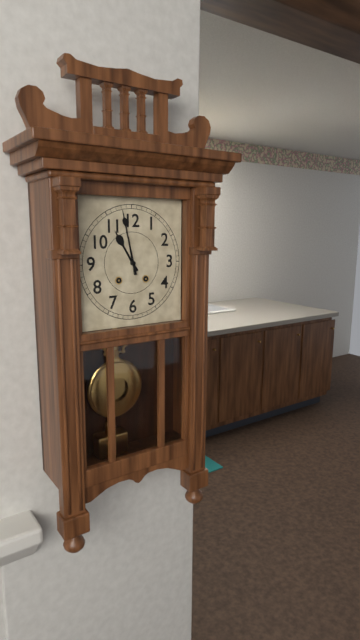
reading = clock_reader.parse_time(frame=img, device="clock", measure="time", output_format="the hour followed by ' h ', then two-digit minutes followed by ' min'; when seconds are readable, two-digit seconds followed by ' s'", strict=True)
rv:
10 h 58 min
